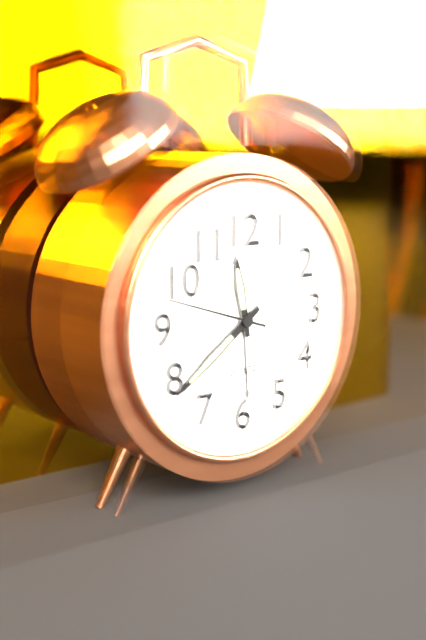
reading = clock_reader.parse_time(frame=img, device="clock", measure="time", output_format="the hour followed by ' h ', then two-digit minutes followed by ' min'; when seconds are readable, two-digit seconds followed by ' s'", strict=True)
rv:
11 h 39 min 48 s
